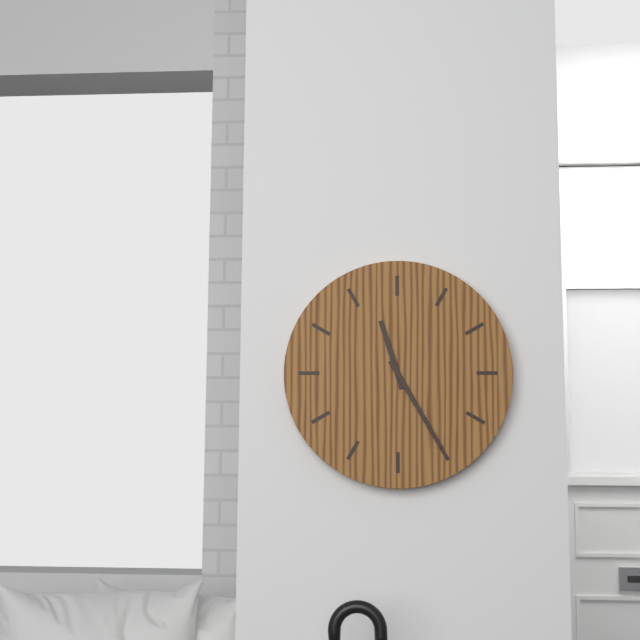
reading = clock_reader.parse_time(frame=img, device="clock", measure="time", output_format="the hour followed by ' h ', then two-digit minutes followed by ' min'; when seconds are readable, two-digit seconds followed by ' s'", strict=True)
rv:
11 h 25 min
